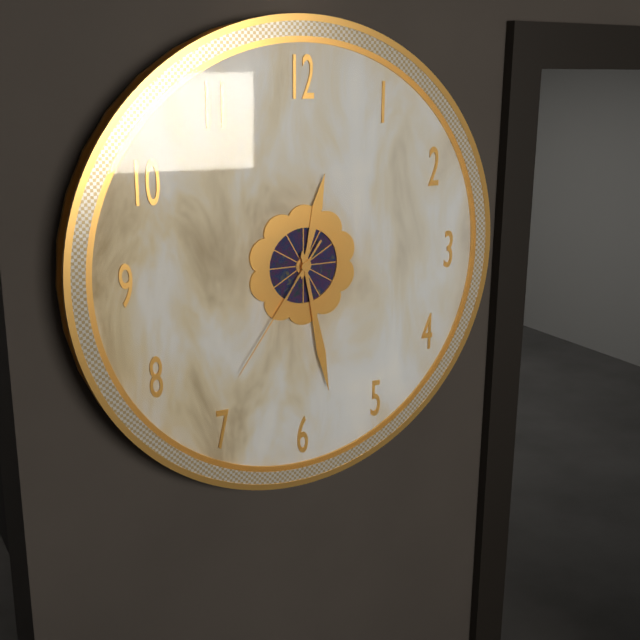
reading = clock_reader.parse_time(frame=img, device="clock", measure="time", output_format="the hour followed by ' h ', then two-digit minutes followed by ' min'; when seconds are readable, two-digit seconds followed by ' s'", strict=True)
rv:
12 h 28 min 36 s
